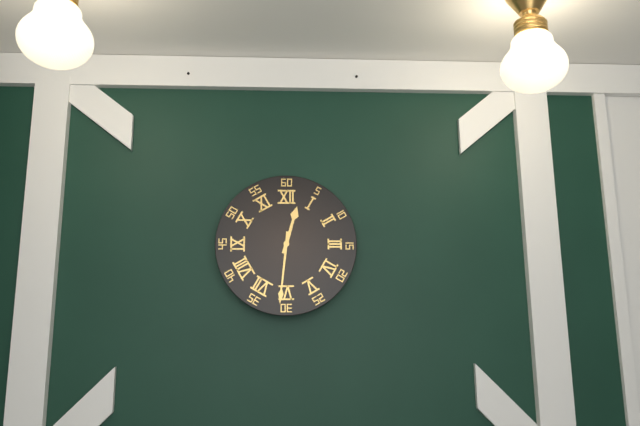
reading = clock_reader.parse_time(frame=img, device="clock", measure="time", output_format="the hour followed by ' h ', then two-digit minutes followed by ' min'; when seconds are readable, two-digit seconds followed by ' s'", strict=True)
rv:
12 h 31 min
